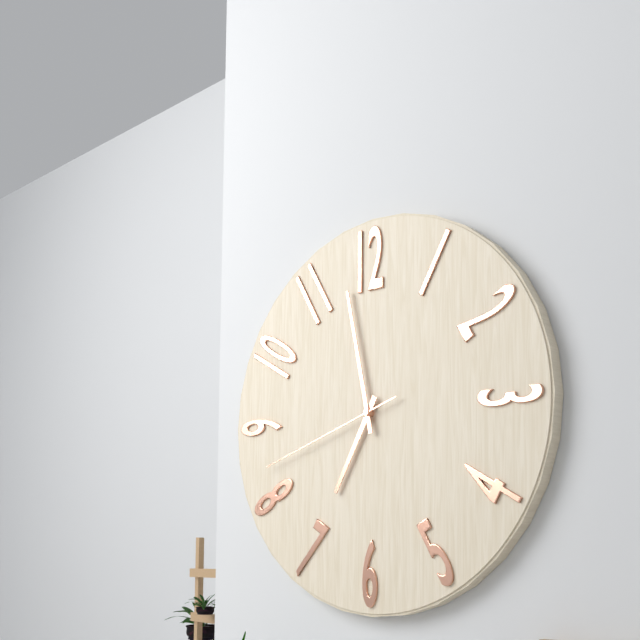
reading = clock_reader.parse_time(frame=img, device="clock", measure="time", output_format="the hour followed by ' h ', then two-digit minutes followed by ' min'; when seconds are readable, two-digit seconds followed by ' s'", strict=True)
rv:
6 h 58 min 42 s
